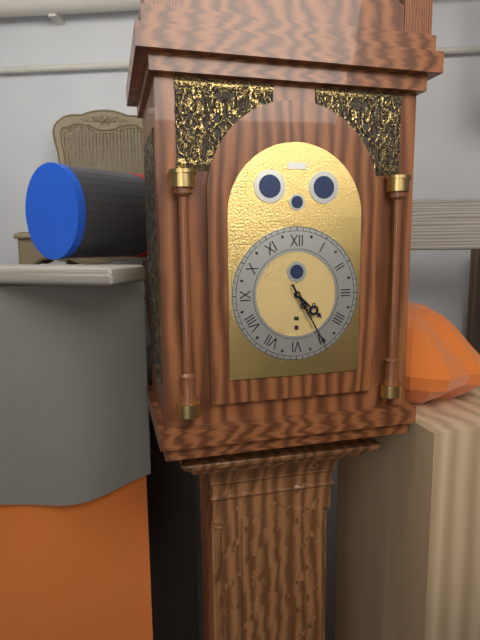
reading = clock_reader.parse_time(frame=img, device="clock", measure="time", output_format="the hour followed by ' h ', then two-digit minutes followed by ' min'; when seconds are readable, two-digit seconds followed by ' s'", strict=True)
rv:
4 h 25 min
